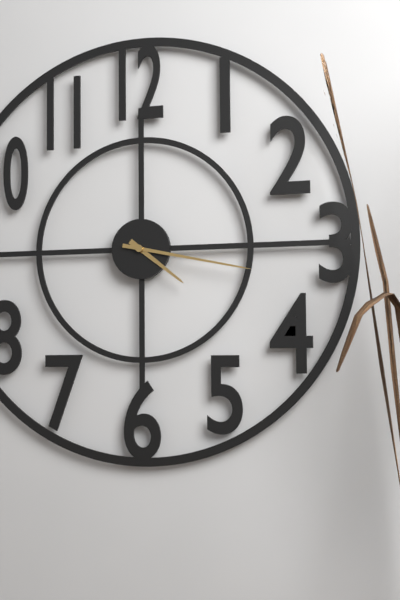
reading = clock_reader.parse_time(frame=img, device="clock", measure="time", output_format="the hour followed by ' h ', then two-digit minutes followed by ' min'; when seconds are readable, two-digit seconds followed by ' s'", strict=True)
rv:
4 h 17 min
